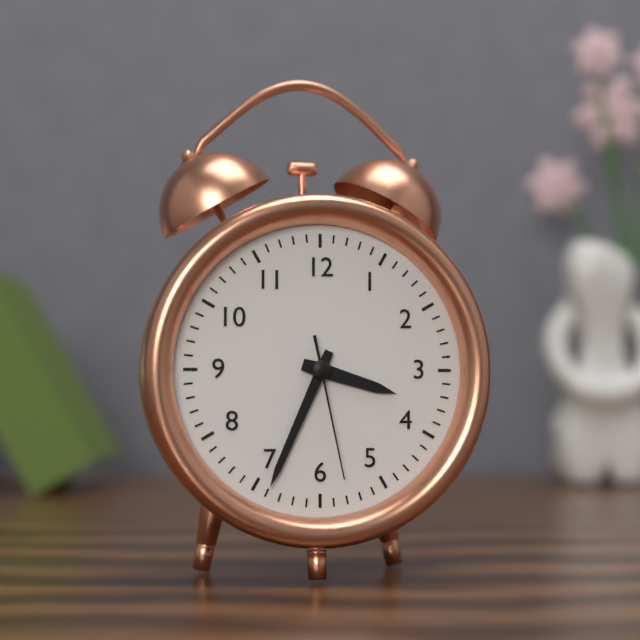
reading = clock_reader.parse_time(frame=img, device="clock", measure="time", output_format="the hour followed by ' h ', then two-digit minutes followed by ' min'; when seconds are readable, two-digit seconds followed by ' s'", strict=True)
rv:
3 h 34 min 28 s
